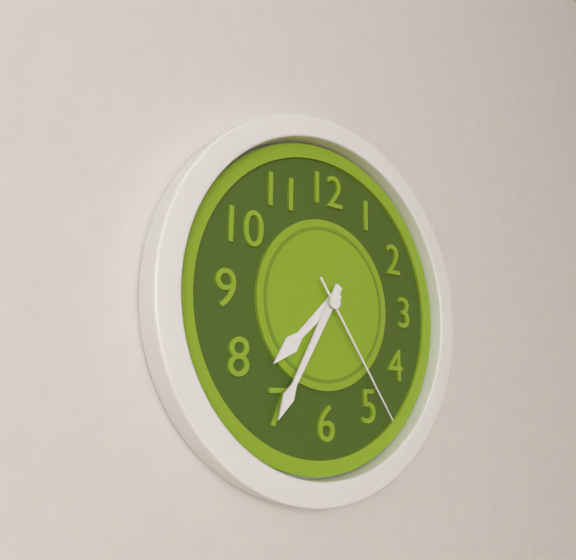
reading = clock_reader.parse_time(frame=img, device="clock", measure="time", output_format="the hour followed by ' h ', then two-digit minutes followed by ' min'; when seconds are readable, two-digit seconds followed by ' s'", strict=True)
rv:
7 h 35 min 24 s
